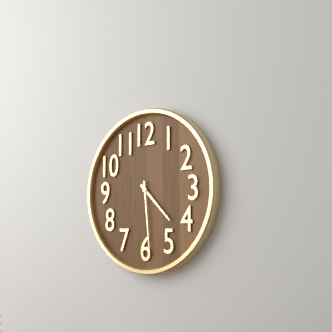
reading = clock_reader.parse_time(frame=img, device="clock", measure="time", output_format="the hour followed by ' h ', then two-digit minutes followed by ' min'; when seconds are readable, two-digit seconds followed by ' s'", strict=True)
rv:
4 h 29 min
